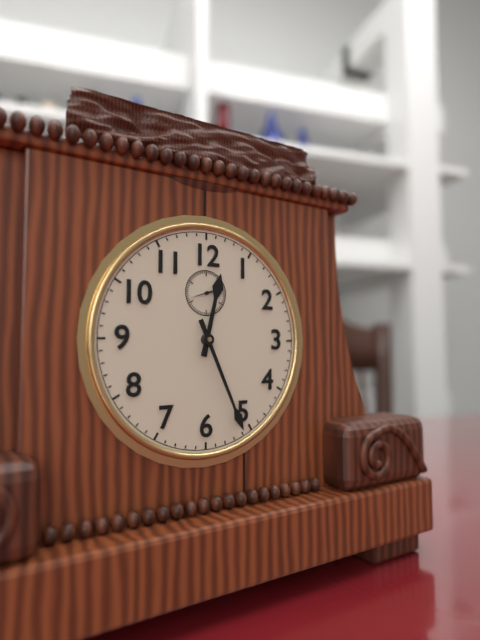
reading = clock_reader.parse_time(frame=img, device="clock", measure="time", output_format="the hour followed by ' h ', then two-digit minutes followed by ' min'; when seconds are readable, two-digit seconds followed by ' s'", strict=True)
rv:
12 h 26 min
